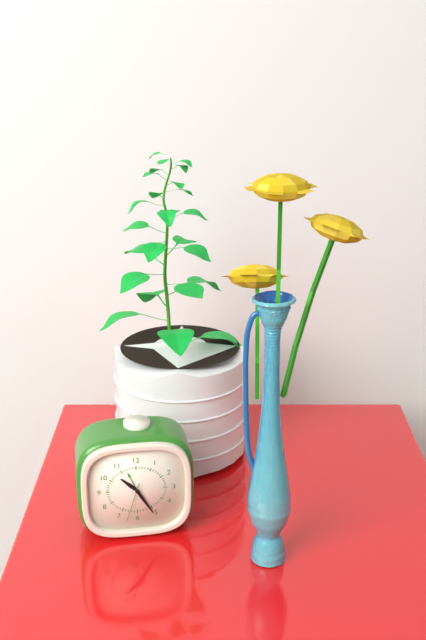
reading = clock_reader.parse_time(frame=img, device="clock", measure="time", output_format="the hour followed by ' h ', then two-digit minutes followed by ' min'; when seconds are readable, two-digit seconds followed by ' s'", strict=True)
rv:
10 h 25 min
